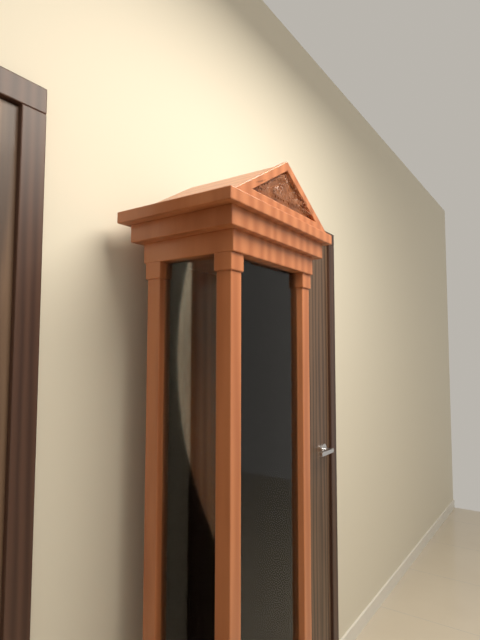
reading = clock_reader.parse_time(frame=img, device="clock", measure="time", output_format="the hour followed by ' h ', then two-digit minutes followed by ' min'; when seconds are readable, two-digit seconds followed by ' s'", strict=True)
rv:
1 h 57 min
